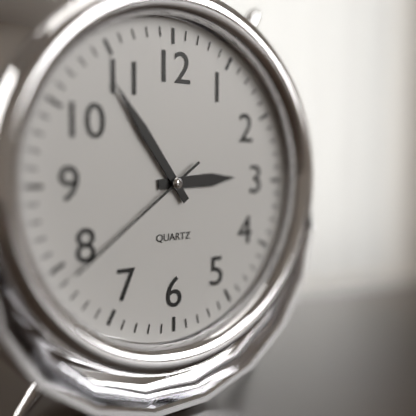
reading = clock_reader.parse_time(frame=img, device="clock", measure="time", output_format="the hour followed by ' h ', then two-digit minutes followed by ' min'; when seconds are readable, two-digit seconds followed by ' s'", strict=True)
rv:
2 h 54 min 39 s
